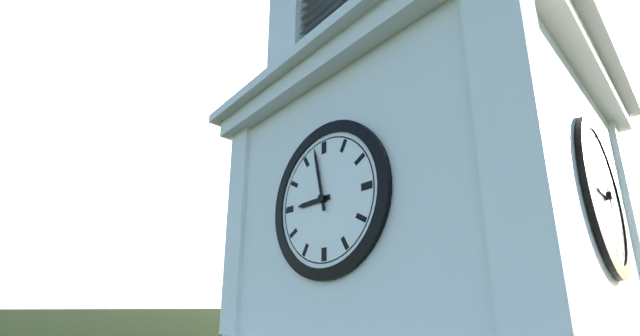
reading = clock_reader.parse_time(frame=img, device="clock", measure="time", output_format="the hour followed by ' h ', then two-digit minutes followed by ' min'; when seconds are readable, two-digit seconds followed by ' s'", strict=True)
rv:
8 h 58 min
